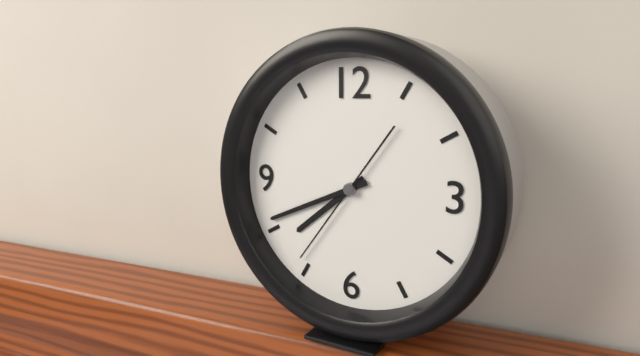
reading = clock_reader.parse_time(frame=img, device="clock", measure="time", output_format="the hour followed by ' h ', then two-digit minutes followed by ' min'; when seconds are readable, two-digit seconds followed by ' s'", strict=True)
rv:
7 h 41 min 36 s
